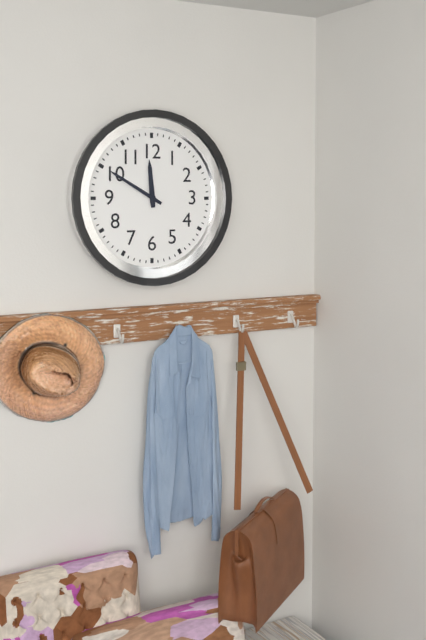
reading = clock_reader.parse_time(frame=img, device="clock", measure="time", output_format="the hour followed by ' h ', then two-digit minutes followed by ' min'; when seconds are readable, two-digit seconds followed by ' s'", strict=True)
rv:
11 h 50 min
